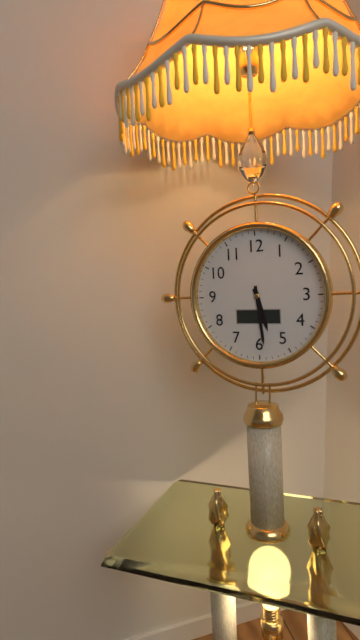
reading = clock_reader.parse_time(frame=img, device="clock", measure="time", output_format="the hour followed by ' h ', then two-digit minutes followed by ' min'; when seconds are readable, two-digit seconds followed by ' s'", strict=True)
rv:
5 h 29 min
